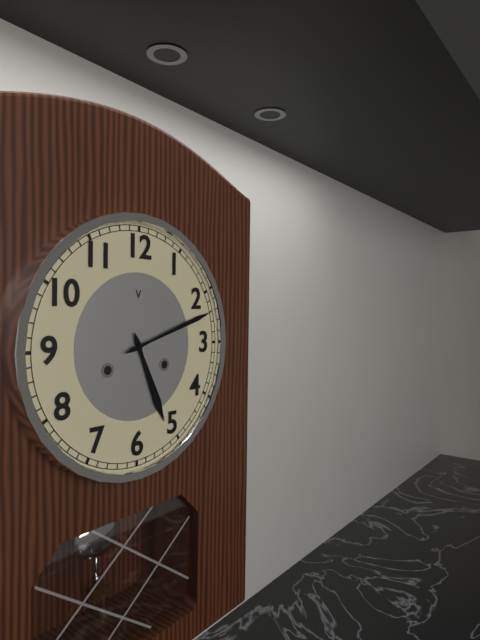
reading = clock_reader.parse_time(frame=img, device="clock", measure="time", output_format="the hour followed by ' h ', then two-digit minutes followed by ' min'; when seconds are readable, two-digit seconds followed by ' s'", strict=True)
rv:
5 h 12 min
